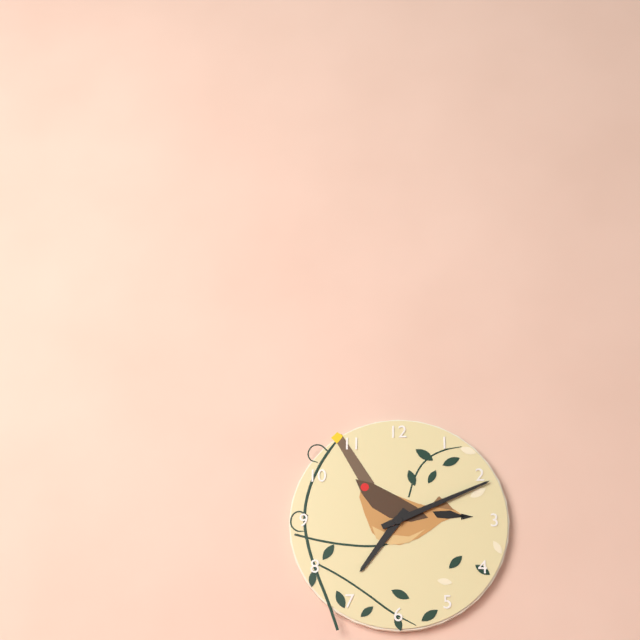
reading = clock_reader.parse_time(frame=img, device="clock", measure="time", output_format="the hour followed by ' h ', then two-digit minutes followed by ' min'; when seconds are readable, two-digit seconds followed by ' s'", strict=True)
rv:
7 h 11 min
